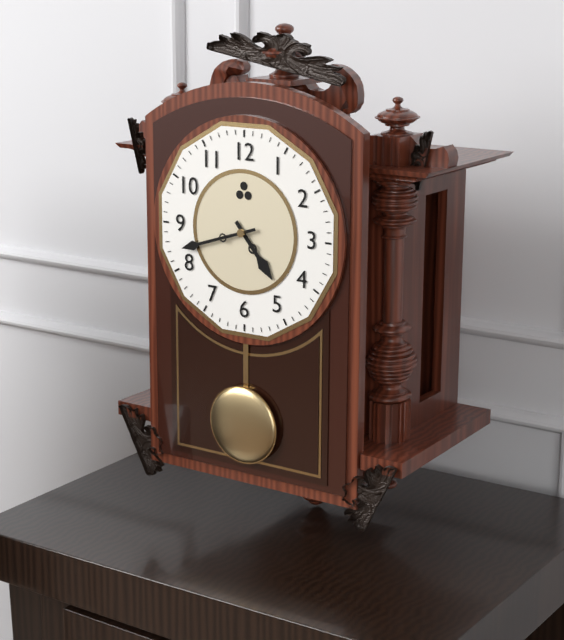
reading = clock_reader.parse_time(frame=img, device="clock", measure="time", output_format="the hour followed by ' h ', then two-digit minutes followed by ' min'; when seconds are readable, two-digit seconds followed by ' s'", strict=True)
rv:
4 h 42 min
